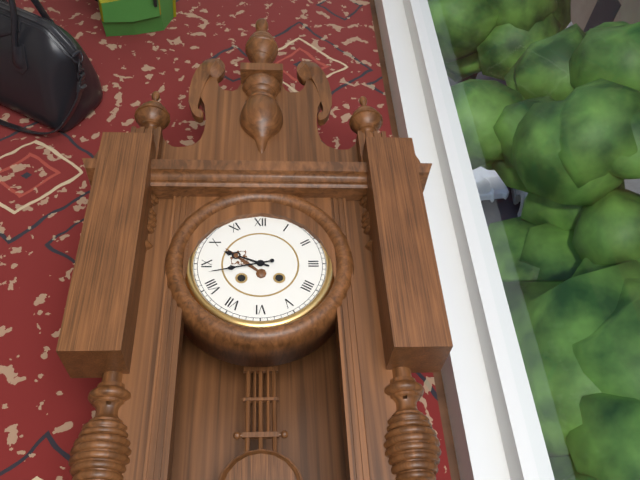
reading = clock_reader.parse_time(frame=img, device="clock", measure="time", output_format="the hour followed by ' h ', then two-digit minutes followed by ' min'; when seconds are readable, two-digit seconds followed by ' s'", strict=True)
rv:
9 h 43 min
